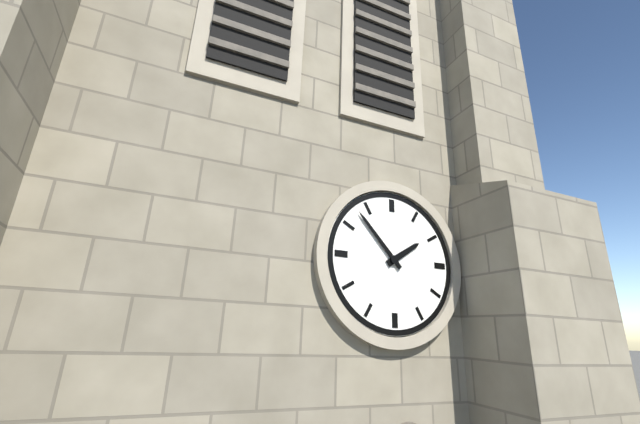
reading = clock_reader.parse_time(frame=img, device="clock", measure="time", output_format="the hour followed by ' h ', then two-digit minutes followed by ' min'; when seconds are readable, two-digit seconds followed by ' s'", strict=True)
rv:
1 h 53 min
